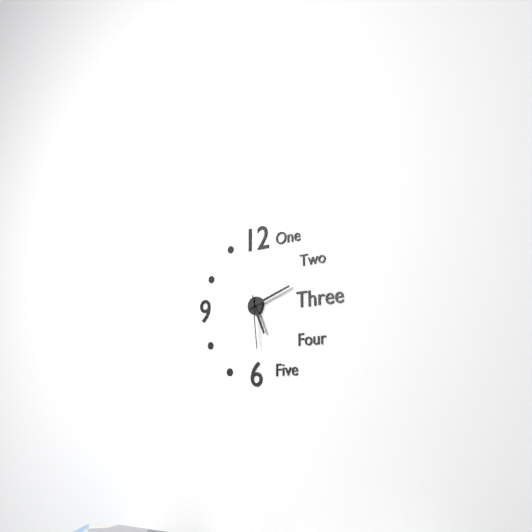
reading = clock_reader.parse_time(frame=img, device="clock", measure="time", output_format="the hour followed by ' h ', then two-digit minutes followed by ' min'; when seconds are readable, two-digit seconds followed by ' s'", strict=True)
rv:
5 h 12 min 29 s
